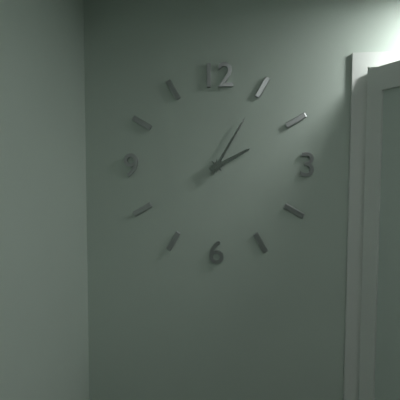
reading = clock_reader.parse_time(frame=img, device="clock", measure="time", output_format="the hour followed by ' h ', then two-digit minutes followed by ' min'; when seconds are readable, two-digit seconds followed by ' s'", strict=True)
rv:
2 h 05 min
